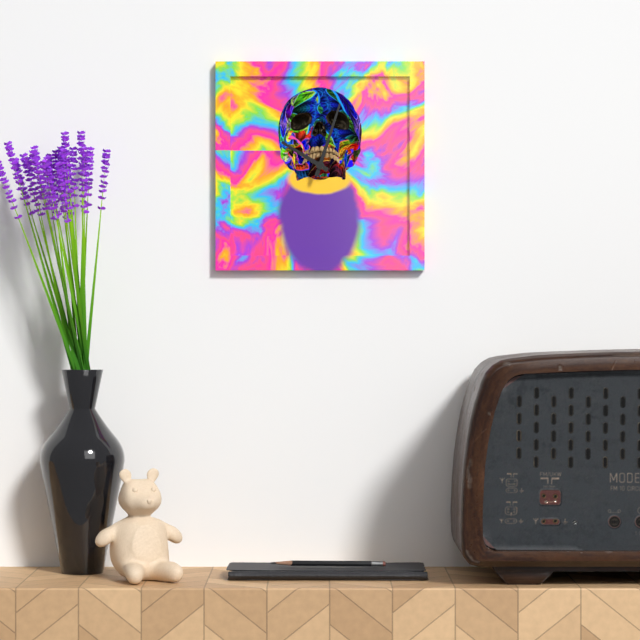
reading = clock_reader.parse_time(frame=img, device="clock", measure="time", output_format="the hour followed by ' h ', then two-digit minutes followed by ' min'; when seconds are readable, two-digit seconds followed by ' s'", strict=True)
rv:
10 h 03 min
